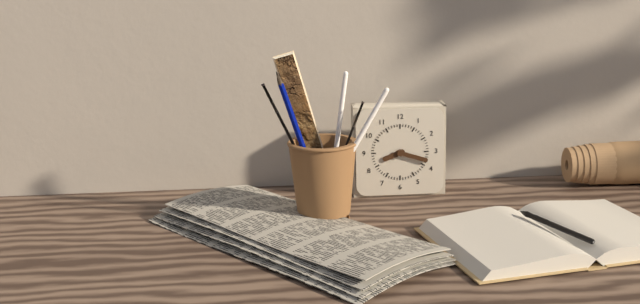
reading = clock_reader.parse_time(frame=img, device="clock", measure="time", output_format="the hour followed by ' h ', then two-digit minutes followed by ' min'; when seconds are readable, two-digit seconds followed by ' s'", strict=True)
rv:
8 h 18 min
